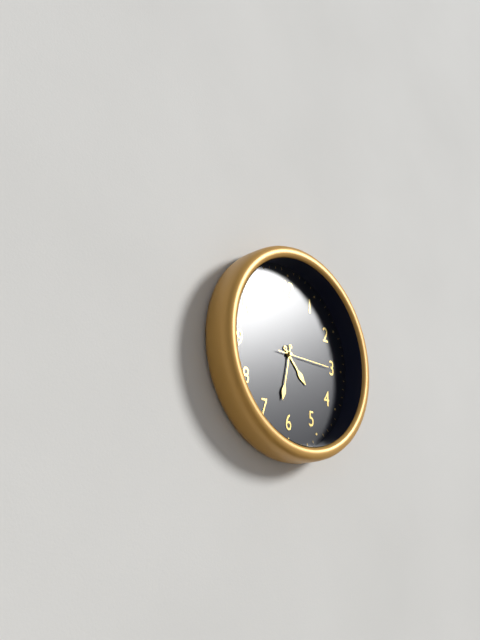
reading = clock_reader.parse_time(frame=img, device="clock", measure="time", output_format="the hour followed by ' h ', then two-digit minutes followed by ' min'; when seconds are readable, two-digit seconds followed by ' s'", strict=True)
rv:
4 h 32 min 15 s
